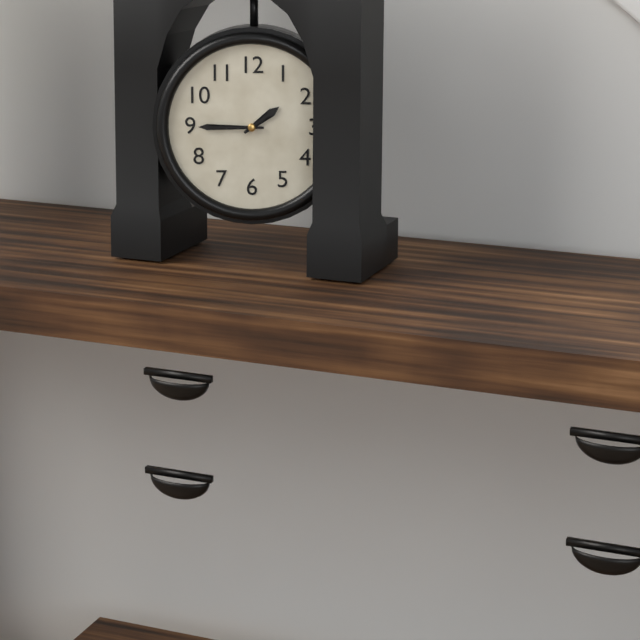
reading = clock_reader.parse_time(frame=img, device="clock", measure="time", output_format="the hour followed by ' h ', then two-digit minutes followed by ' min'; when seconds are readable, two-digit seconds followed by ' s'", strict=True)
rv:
1 h 45 min
